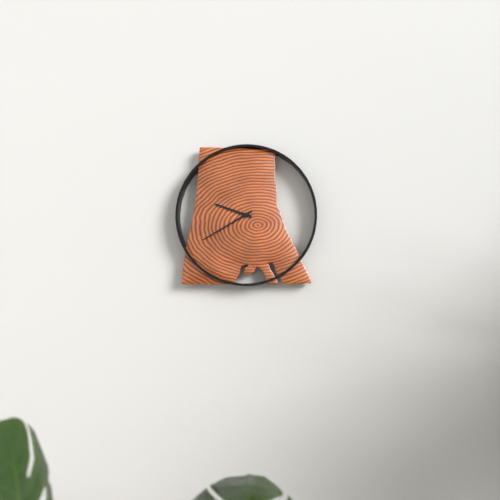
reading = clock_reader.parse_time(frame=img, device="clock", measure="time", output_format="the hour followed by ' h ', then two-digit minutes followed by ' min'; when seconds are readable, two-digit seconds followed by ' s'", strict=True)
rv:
9 h 40 min
